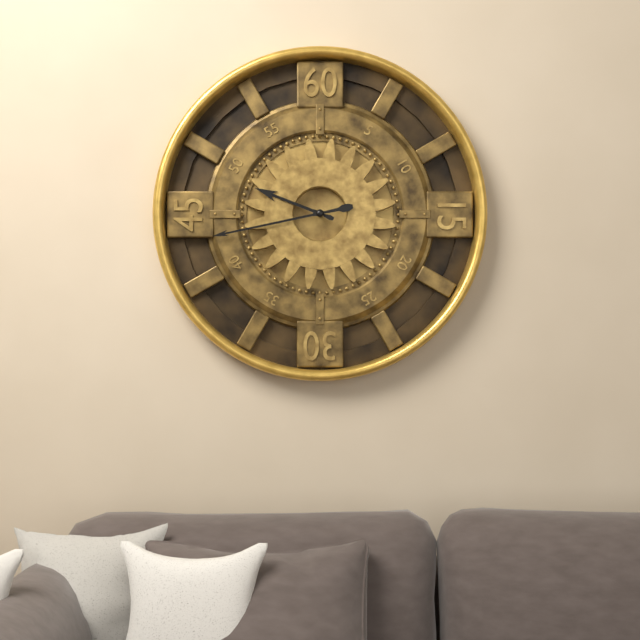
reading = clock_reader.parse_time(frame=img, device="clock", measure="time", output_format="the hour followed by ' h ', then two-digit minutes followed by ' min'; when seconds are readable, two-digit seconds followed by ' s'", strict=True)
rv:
9 h 43 min
